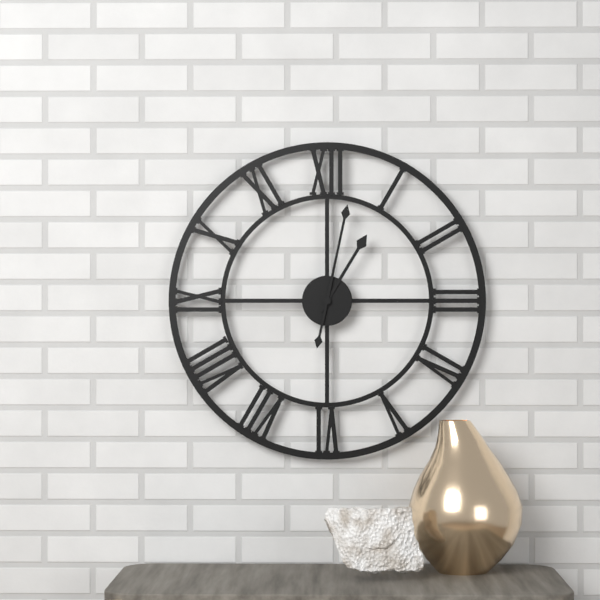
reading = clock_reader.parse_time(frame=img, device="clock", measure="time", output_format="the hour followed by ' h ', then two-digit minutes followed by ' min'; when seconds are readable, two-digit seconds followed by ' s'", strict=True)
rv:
1 h 02 min
